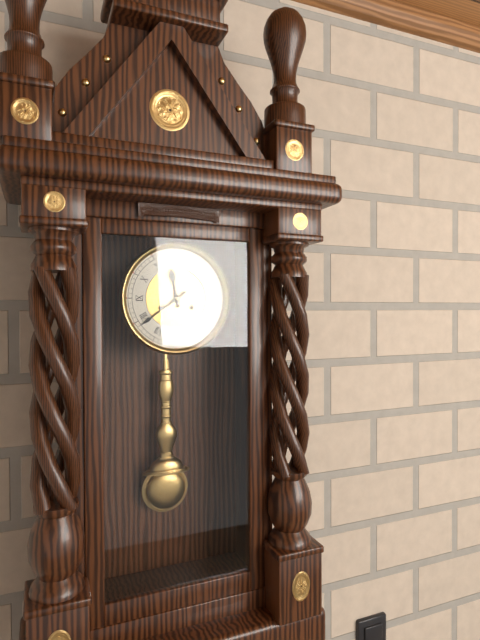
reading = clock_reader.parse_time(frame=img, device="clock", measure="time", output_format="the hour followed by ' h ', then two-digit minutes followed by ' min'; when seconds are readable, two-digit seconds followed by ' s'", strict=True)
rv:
11 h 39 min
